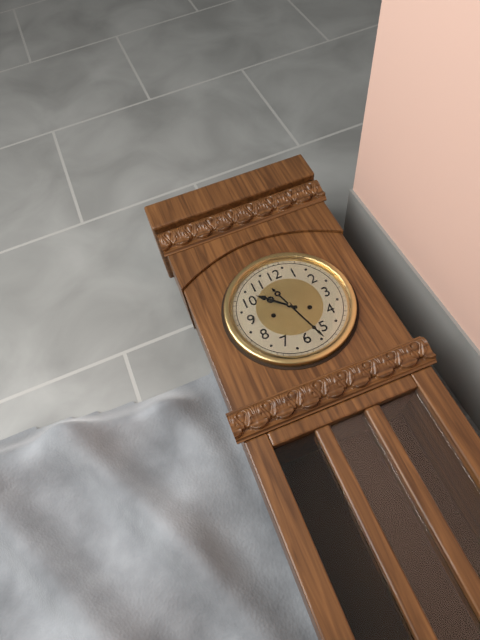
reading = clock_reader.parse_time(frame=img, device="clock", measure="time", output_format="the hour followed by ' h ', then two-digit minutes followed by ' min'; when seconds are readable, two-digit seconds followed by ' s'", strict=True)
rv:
10 h 27 min
